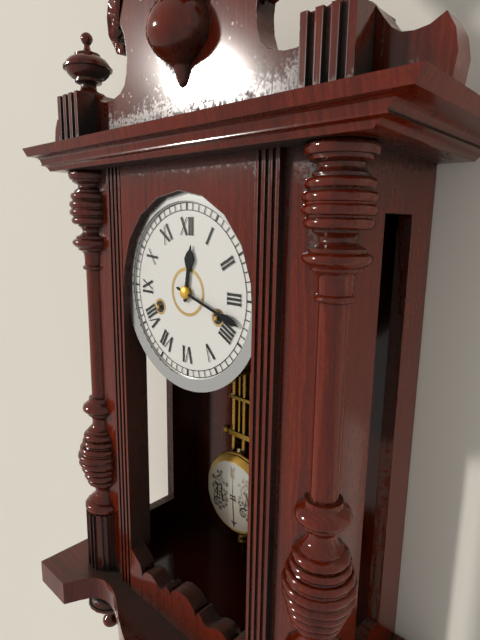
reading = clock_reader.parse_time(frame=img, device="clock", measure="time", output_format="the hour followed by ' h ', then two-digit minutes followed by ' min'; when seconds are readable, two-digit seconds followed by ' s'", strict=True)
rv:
12 h 18 min
